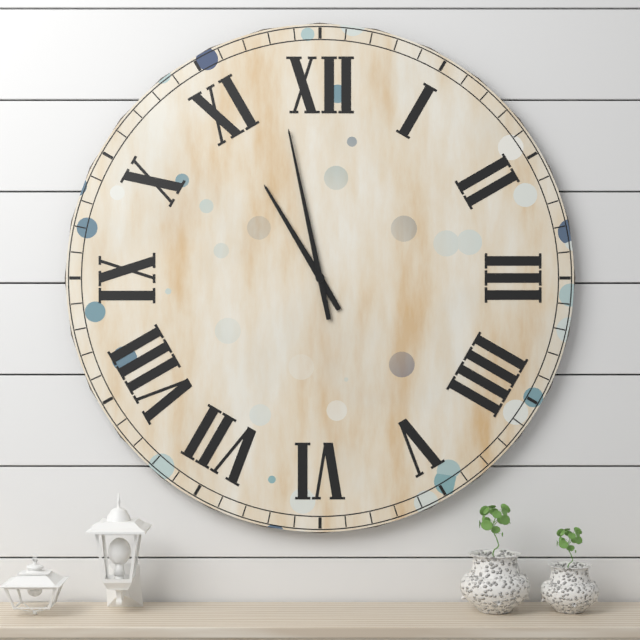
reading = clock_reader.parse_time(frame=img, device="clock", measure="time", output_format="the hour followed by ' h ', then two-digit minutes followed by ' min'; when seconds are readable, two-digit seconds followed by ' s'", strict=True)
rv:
10 h 58 min
